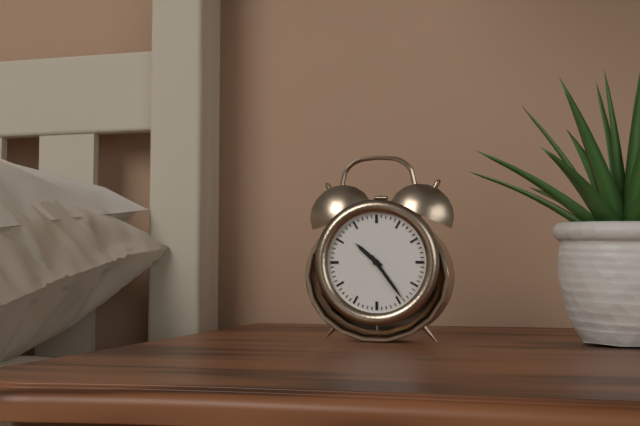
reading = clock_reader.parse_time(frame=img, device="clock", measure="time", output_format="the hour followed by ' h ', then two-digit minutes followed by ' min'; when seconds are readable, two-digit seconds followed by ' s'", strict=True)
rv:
10 h 24 min
